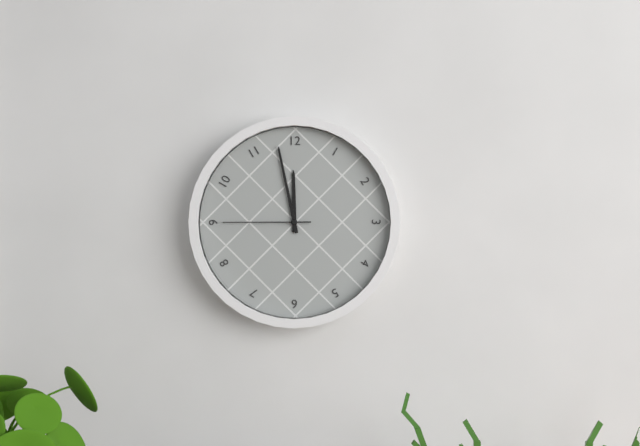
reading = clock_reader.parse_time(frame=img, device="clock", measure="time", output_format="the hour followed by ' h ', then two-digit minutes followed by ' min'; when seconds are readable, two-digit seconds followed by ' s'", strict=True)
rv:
11 h 58 min 45 s
